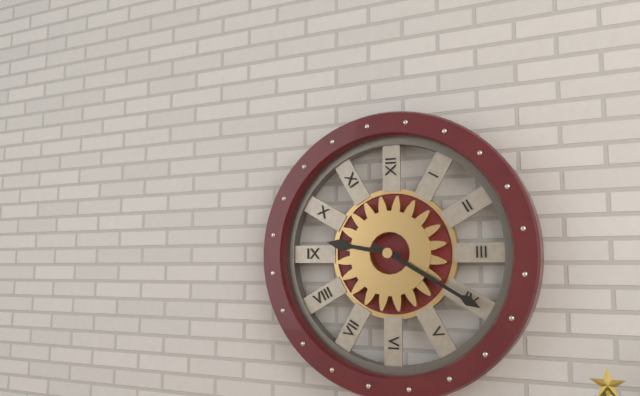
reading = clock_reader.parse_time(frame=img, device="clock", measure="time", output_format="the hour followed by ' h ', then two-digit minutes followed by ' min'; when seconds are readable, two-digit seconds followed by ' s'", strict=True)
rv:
9 h 20 min
